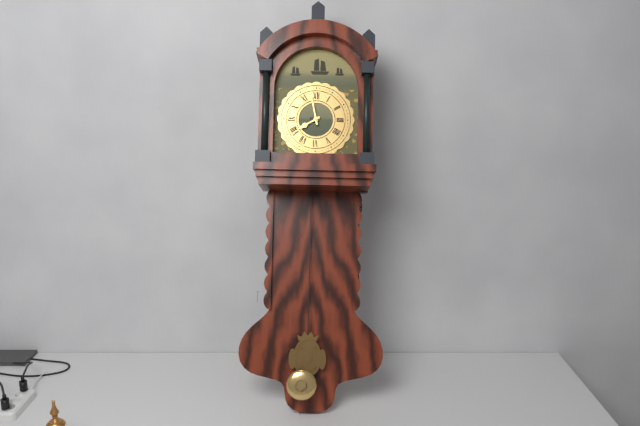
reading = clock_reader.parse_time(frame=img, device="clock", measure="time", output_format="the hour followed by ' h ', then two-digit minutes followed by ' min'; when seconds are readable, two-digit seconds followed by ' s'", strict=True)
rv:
7 h 58 min
